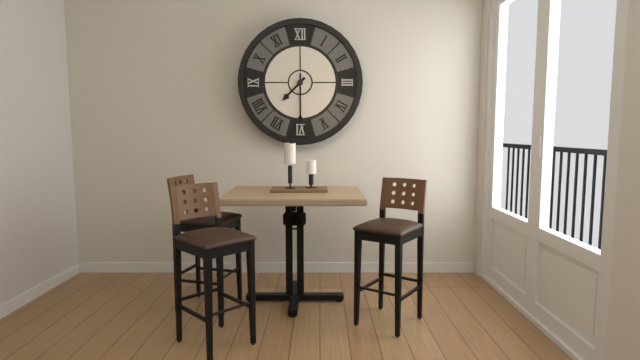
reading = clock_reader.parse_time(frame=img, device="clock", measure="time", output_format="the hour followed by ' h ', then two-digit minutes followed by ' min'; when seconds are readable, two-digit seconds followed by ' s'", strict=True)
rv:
7 h 30 min
